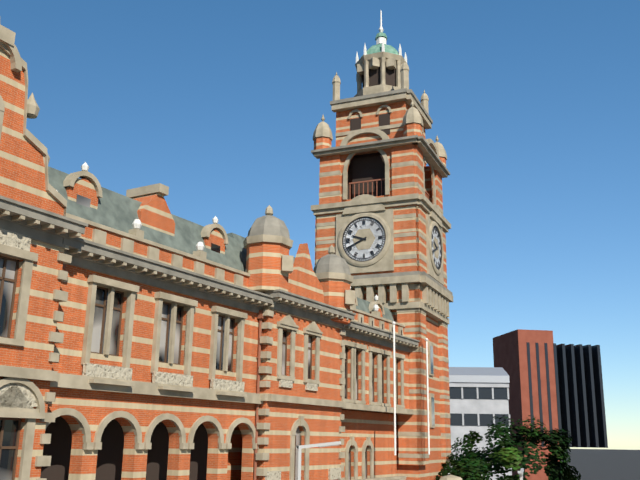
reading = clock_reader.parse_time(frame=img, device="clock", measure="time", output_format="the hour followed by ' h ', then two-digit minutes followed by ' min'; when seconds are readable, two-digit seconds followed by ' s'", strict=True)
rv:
9 h 41 min
